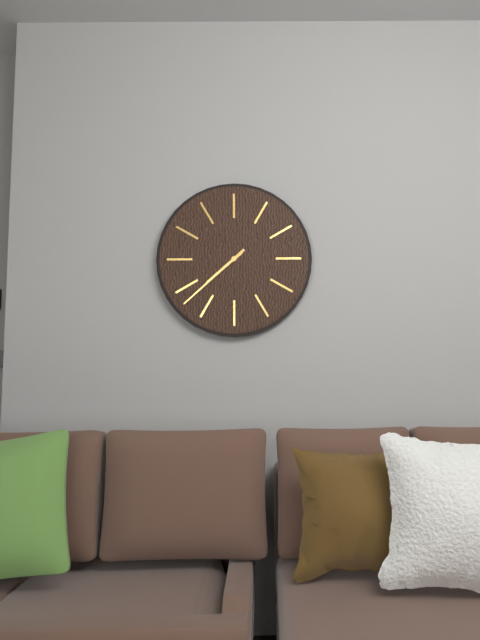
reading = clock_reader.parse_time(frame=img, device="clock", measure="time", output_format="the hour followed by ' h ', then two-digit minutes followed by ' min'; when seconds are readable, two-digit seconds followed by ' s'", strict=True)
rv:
7 h 38 min
